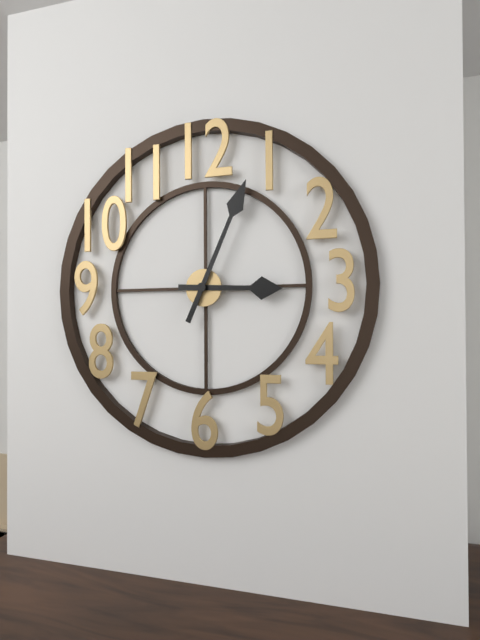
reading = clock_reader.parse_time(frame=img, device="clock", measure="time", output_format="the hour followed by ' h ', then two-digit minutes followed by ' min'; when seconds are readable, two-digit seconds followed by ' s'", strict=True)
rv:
3 h 04 min
